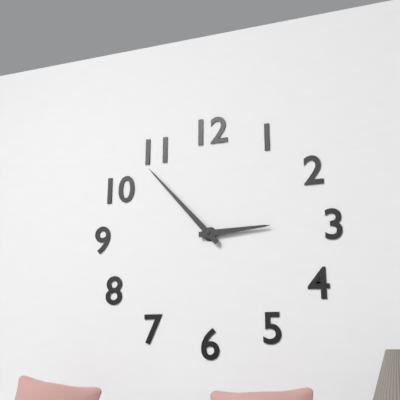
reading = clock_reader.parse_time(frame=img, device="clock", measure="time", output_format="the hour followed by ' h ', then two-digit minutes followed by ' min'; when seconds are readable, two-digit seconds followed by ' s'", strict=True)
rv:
2 h 53 min
